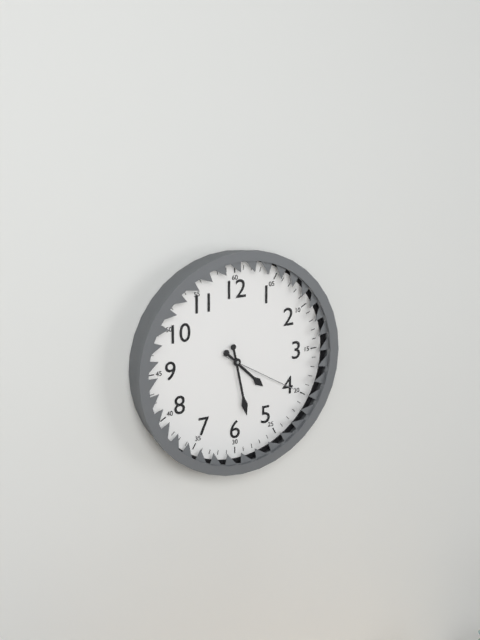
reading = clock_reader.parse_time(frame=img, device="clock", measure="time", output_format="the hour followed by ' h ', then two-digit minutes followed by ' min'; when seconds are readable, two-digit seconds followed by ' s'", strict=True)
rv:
4 h 28 min 20 s
